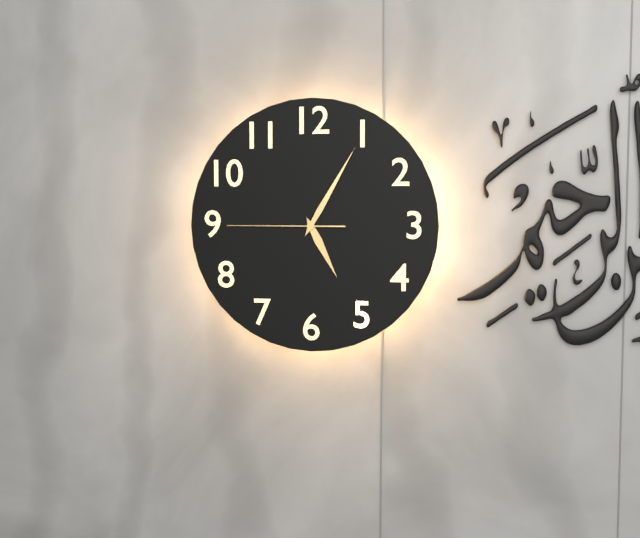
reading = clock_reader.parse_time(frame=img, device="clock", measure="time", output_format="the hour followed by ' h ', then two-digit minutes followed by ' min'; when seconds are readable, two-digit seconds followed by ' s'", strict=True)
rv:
5 h 05 min 45 s
